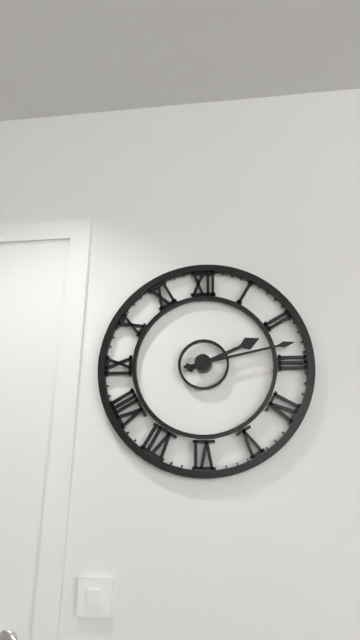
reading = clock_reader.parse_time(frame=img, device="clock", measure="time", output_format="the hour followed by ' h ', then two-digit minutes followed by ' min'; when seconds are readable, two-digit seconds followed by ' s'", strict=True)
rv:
2 h 13 min
